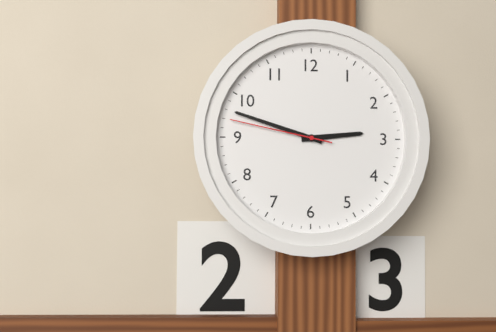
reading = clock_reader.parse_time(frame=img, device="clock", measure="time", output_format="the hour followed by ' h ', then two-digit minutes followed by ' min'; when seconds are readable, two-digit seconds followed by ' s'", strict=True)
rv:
2 h 48 min 47 s
